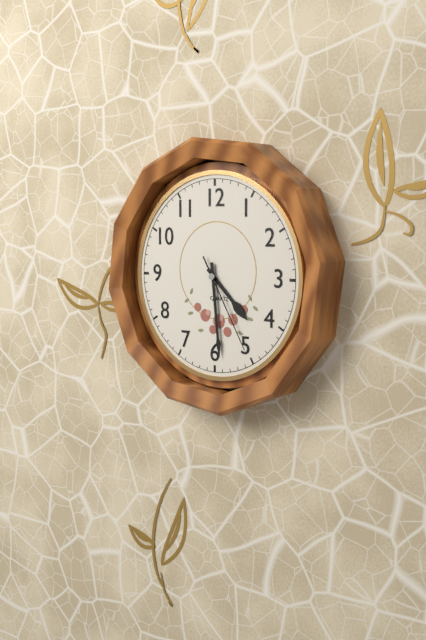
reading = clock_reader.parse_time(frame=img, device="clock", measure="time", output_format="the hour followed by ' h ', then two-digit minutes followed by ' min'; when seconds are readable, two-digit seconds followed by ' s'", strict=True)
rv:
4 h 29 min 25 s
